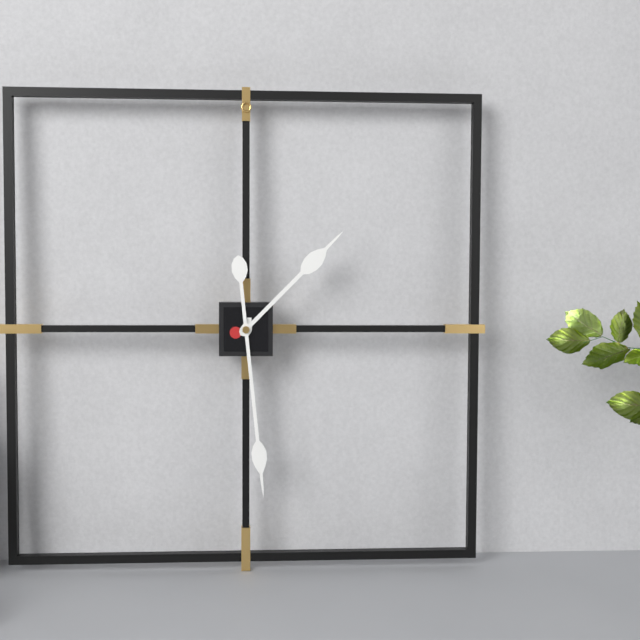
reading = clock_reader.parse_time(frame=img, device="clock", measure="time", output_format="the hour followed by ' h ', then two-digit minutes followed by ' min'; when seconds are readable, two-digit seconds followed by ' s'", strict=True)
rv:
1 h 29 min
